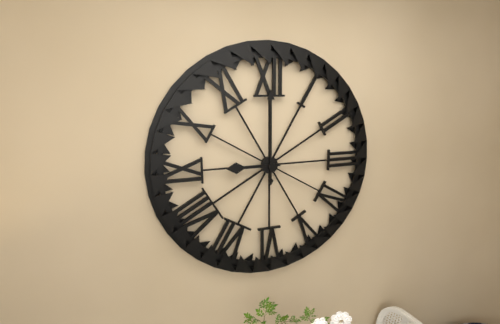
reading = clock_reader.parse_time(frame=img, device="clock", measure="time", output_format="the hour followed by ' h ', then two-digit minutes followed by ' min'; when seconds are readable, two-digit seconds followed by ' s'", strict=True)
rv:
9 h 00 min
